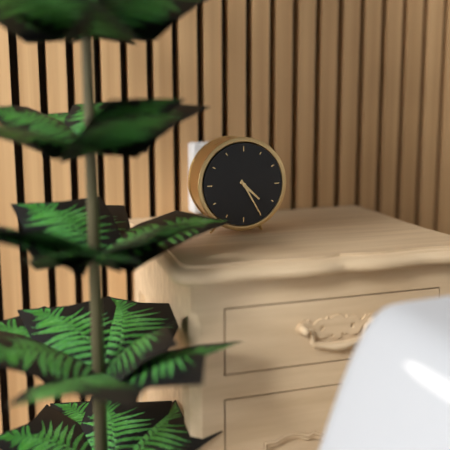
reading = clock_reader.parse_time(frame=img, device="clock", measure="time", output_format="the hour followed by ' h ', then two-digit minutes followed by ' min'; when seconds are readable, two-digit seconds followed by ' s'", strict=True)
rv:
4 h 25 min
